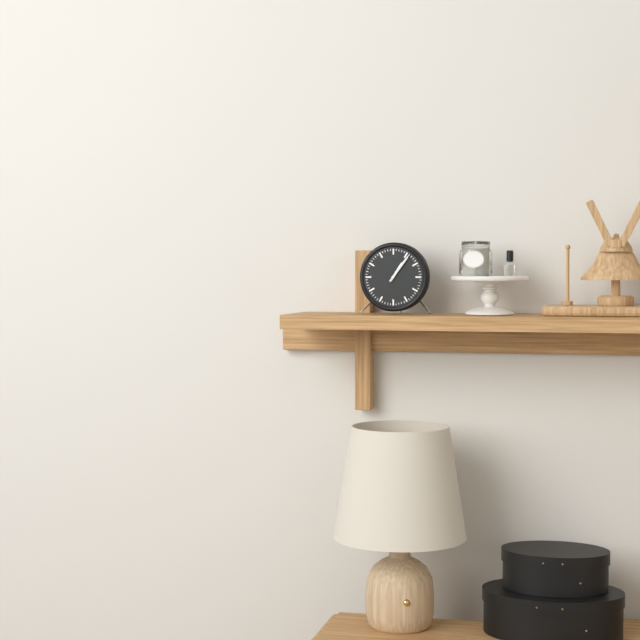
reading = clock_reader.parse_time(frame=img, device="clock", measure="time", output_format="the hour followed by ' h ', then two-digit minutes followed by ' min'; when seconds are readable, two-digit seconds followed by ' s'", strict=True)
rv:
1 h 06 min
